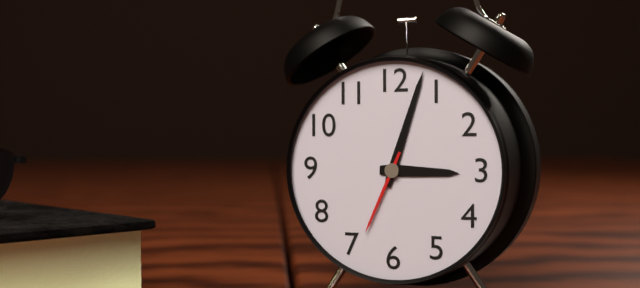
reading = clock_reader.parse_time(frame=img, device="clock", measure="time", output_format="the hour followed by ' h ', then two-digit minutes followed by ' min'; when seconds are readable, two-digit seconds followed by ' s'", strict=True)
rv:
3 h 03 min 34 s
